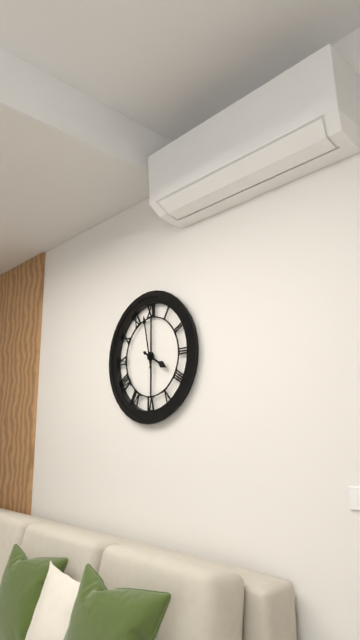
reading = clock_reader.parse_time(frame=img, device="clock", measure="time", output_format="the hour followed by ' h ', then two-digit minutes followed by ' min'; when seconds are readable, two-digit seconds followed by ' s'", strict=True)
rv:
3 h 58 min
